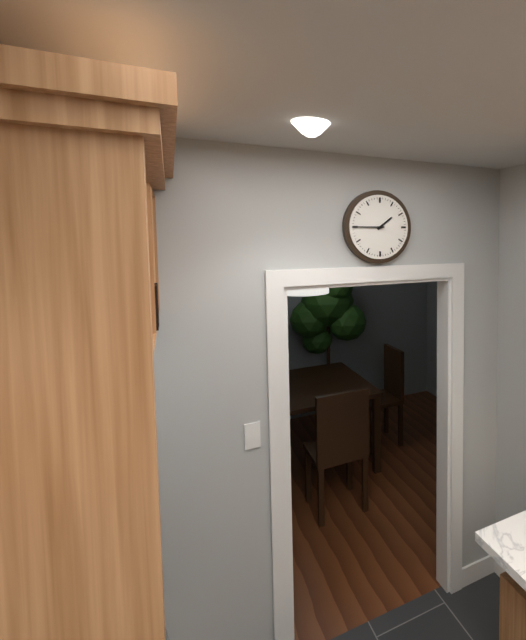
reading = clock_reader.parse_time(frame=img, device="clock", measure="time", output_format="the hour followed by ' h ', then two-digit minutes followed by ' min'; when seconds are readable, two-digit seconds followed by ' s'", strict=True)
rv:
1 h 45 min
